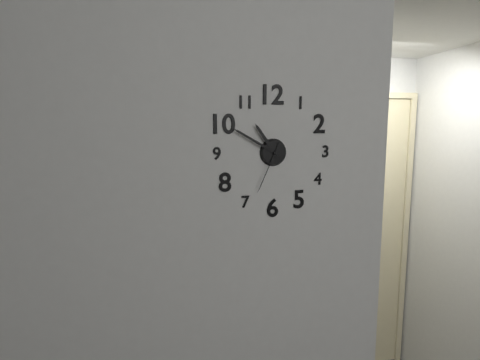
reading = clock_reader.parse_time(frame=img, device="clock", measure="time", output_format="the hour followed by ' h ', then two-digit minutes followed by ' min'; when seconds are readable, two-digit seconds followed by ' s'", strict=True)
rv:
10 h 50 min 34 s
